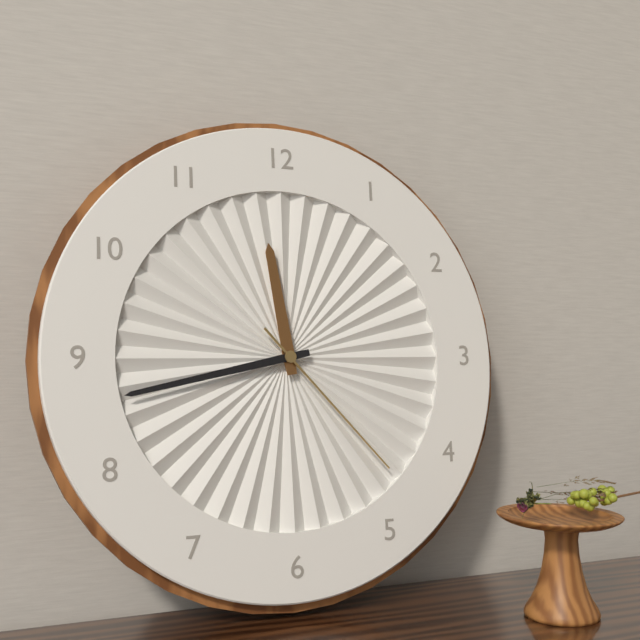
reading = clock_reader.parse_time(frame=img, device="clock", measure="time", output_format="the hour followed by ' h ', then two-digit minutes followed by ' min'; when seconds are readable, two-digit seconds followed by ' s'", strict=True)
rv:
11 h 43 min 23 s
